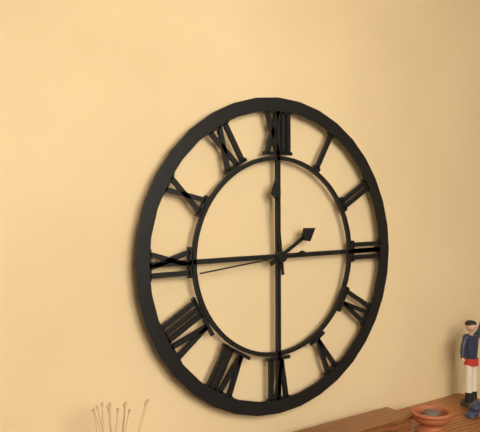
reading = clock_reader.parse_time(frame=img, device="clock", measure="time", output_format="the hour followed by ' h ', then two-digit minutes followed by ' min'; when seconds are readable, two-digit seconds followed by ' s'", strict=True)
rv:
1 h 59 min 44 s
